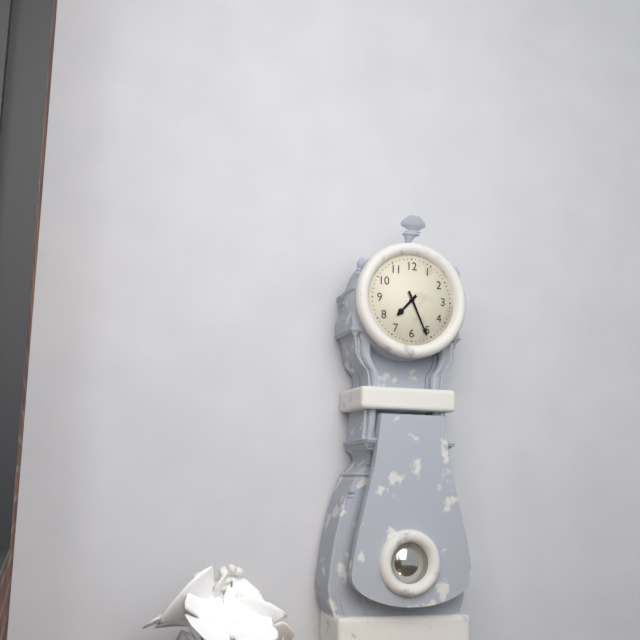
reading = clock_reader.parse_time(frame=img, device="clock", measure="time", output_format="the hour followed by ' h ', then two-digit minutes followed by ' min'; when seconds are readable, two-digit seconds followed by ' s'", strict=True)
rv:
7 h 26 min
